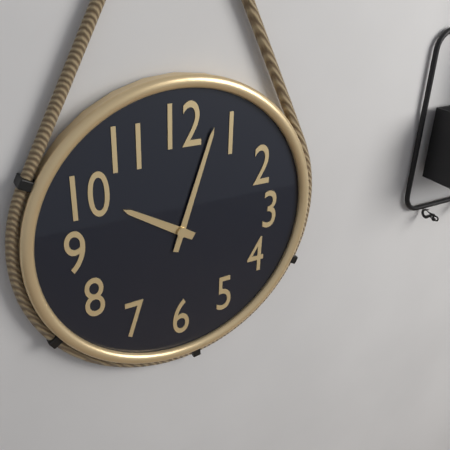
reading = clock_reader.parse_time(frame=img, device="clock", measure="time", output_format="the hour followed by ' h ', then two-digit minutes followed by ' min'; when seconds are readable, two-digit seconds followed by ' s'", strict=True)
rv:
10 h 03 min
